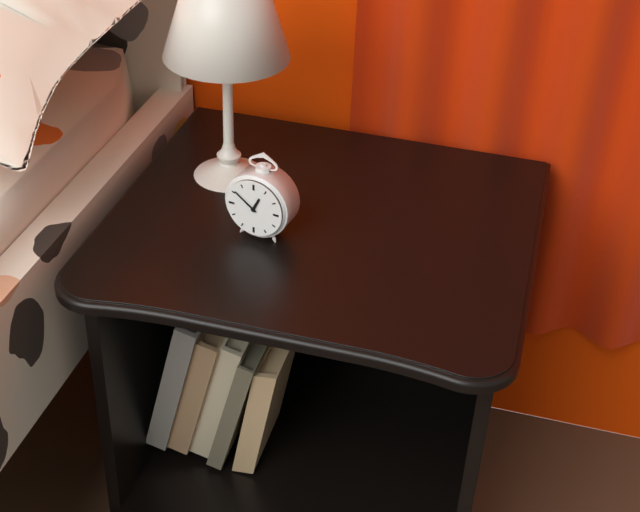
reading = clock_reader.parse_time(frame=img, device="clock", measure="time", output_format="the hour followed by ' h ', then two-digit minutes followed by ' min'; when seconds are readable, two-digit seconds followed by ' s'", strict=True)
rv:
12 h 51 min
